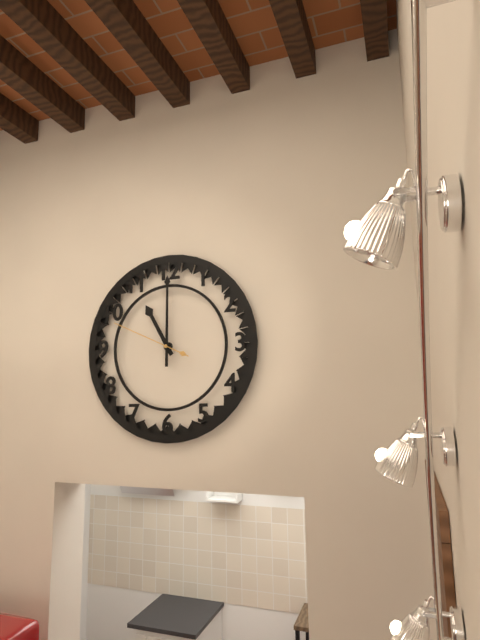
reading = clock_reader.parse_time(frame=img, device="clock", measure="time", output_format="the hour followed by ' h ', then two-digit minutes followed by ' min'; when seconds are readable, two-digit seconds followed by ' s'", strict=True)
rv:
11 h 00 min 49 s
